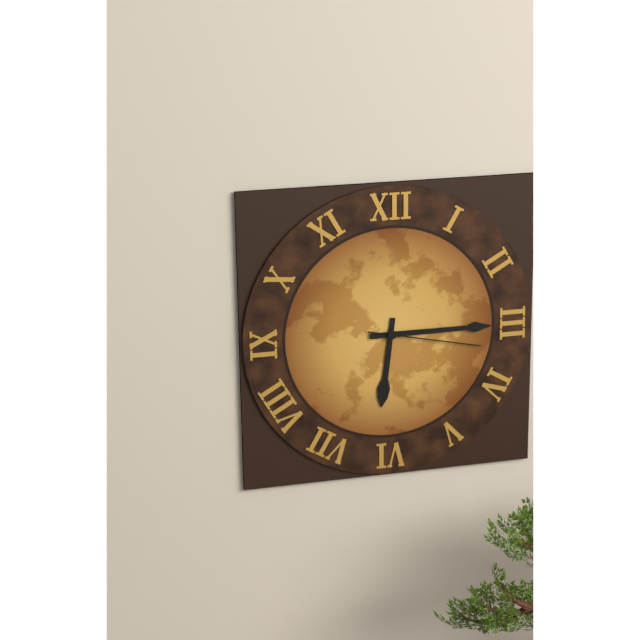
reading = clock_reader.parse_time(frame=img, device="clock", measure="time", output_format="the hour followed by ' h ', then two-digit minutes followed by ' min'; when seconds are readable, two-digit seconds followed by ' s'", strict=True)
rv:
6 h 15 min 17 s
